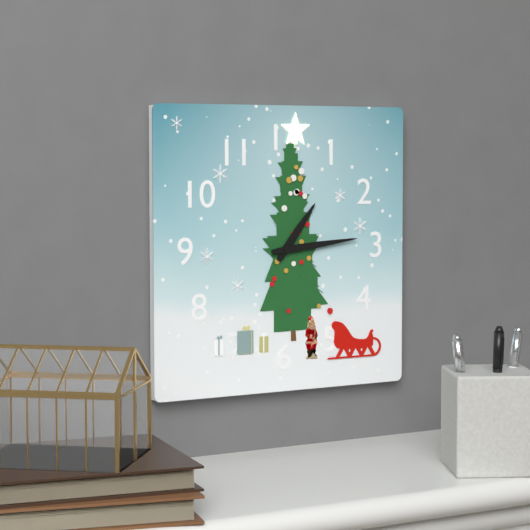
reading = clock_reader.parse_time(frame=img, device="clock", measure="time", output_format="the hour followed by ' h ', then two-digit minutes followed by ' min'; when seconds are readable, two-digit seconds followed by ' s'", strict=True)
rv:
1 h 14 min
